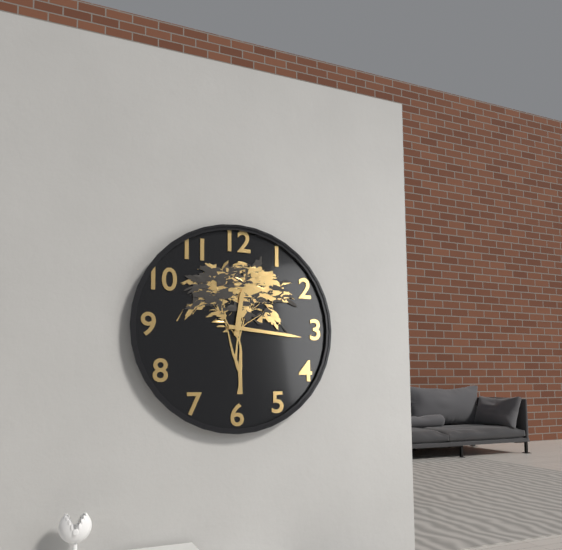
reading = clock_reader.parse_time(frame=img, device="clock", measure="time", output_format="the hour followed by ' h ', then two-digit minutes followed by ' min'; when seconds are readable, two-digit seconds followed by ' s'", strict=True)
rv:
12 h 16 min
